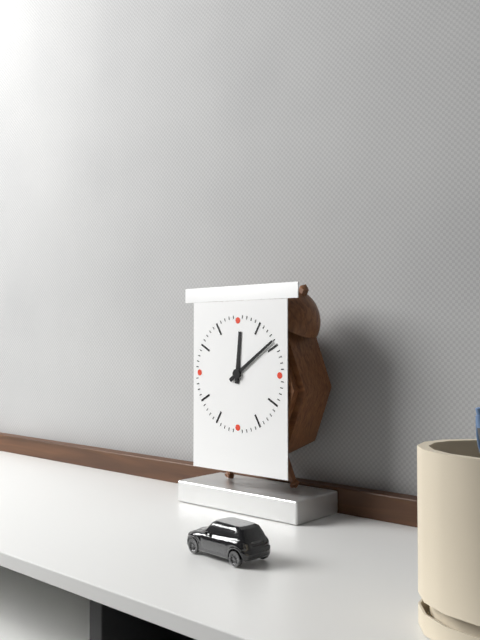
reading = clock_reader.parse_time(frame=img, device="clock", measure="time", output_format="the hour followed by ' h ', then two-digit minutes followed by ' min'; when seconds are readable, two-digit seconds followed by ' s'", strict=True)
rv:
12 h 09 min
